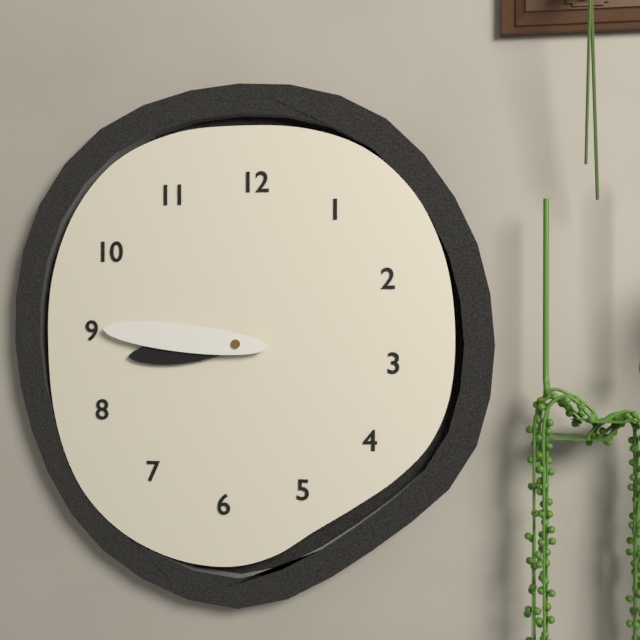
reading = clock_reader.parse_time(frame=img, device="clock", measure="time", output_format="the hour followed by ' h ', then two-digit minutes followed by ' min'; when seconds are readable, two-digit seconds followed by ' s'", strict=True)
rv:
8 h 46 min
